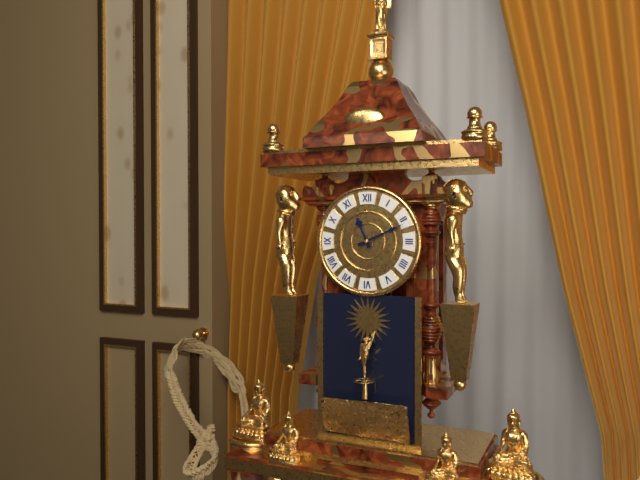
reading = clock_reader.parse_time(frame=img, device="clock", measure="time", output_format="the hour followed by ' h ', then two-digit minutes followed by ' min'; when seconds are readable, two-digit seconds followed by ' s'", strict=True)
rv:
11 h 11 min
